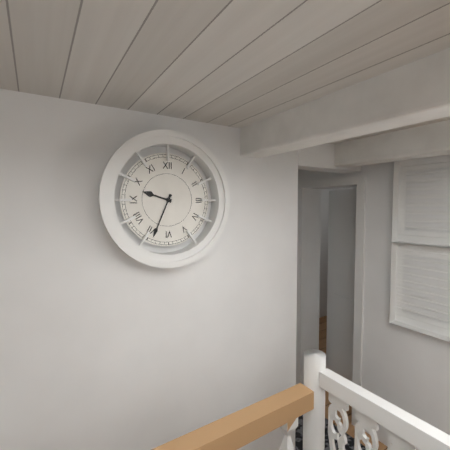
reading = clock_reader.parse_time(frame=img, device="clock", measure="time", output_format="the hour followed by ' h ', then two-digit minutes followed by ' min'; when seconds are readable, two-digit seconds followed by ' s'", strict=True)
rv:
9 h 34 min
